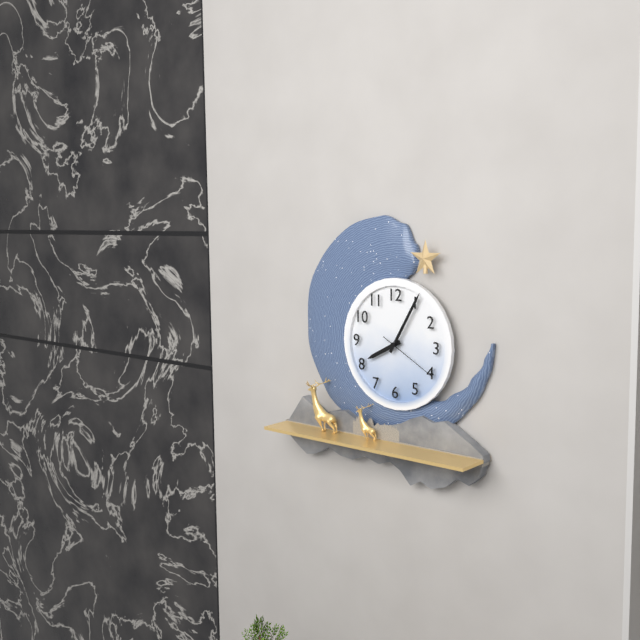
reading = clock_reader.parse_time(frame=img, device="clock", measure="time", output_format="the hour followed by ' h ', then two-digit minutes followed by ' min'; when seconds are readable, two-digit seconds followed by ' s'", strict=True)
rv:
8 h 05 min 20 s
